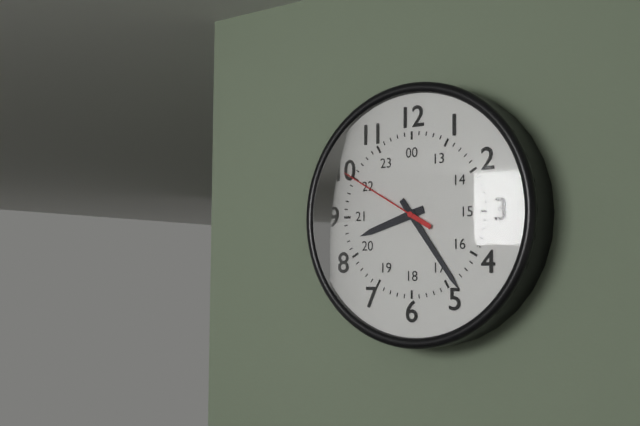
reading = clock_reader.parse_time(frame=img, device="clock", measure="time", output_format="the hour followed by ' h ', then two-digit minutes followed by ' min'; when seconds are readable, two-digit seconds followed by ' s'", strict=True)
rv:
8 h 24 min 50 s
